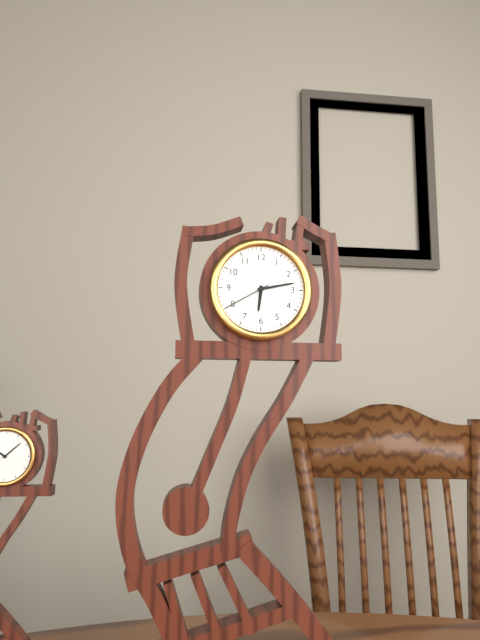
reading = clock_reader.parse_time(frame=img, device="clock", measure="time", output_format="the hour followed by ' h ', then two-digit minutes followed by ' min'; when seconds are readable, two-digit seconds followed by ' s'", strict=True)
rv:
6 h 13 min
